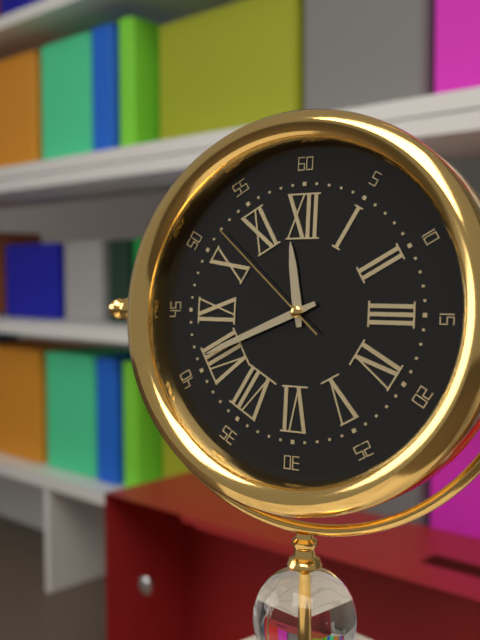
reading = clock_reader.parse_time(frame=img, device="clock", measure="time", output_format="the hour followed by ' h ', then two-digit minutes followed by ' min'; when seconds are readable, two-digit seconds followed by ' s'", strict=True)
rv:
11 h 41 min 52 s
